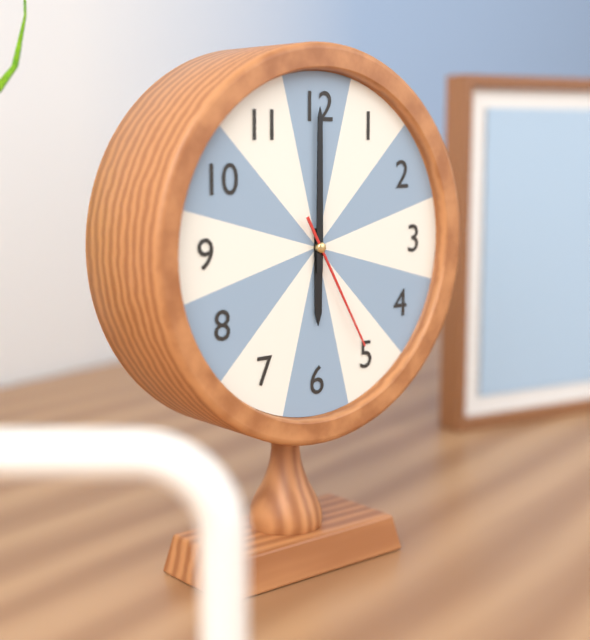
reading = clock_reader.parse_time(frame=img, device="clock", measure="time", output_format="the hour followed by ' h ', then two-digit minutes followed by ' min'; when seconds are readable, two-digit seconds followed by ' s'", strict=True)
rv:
6 h 00 min 25 s
